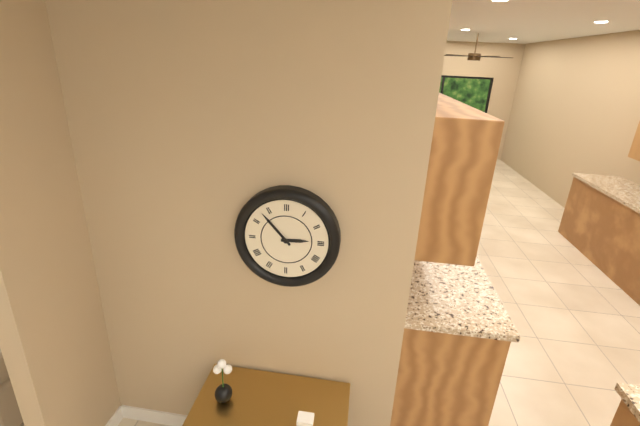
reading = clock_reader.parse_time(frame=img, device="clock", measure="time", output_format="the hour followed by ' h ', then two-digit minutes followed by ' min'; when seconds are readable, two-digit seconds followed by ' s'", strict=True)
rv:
2 h 53 min
